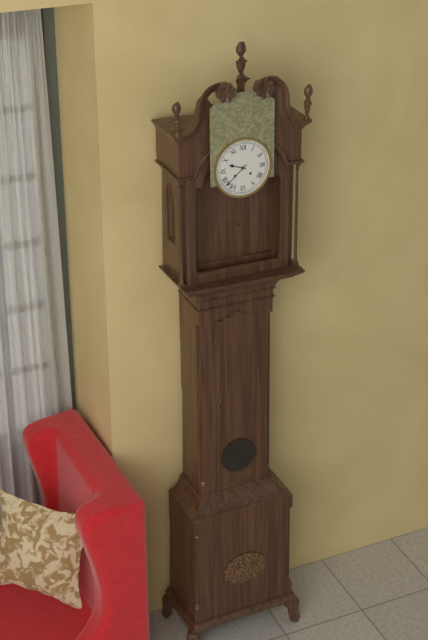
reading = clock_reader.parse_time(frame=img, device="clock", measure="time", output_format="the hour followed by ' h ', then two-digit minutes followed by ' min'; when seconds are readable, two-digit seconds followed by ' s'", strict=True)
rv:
9 h 38 min
